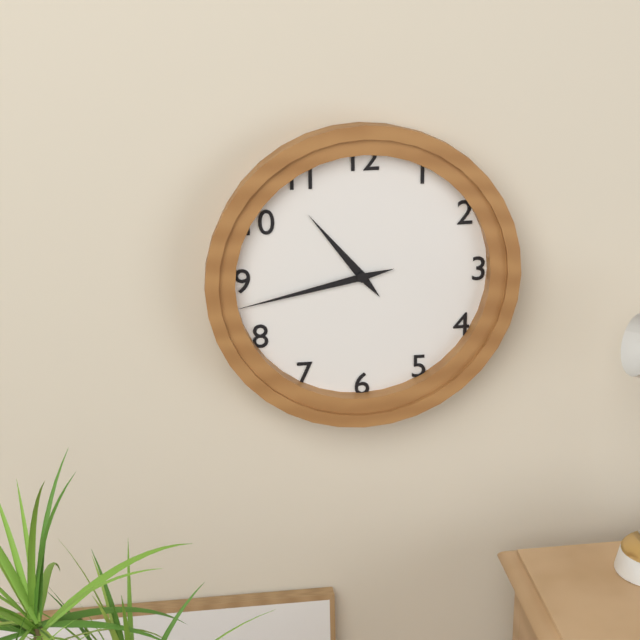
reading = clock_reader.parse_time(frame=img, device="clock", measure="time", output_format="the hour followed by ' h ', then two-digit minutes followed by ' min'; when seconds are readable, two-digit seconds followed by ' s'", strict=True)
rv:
10 h 43 min
